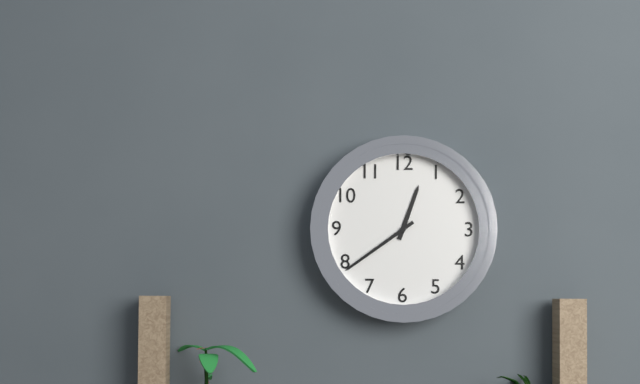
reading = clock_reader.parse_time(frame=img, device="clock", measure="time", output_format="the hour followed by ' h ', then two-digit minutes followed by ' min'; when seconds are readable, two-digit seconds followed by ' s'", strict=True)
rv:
12 h 39 min
